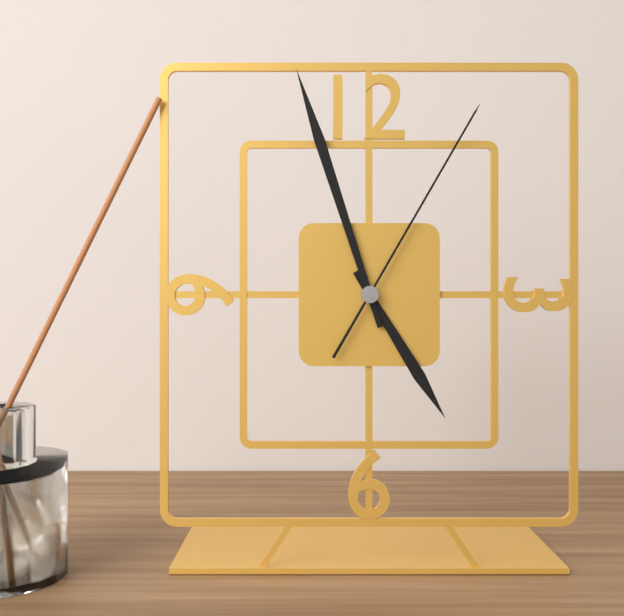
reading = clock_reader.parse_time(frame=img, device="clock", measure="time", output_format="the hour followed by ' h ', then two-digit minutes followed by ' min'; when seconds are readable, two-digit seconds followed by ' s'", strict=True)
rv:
4 h 57 min 05 s
